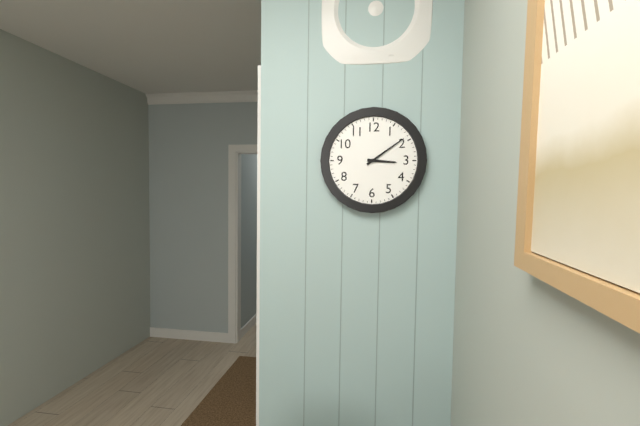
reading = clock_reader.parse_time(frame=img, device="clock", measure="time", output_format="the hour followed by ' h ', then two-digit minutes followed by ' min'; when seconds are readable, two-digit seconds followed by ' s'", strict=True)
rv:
3 h 09 min
